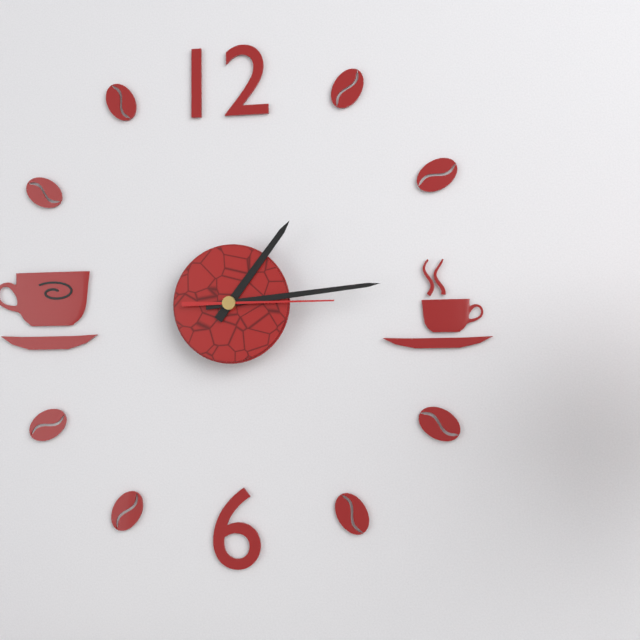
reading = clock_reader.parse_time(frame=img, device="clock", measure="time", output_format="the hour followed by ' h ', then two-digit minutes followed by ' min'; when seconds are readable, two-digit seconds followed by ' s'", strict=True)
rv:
1 h 14 min 15 s
